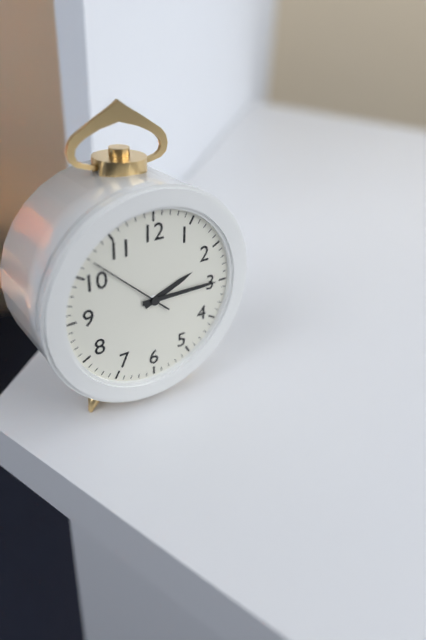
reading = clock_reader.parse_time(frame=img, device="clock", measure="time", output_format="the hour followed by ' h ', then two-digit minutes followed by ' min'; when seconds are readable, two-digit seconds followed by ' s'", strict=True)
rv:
2 h 15 min 52 s
